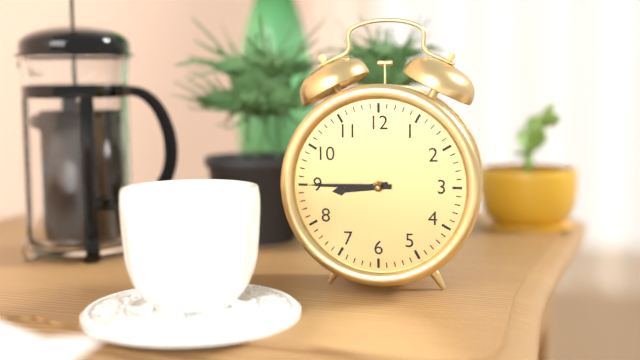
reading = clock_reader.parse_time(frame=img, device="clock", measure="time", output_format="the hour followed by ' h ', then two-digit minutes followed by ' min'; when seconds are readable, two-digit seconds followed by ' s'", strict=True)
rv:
8 h 45 min
